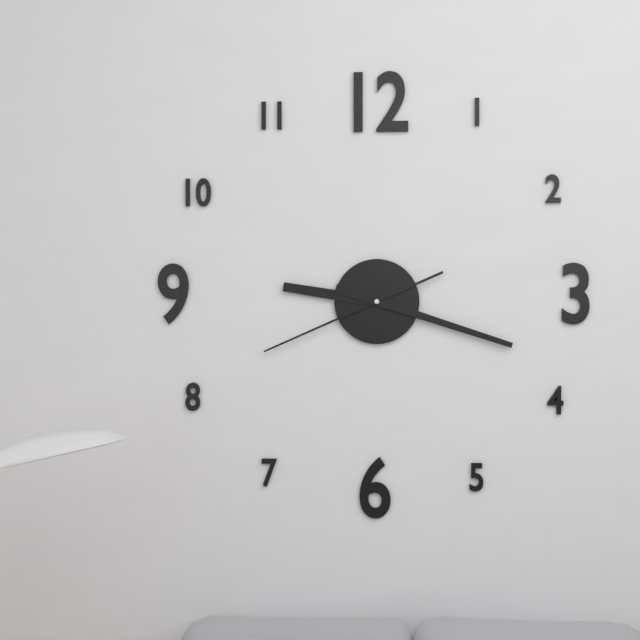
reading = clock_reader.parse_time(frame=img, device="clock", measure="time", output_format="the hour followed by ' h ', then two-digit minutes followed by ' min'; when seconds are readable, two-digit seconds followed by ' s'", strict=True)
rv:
9 h 18 min 41 s
